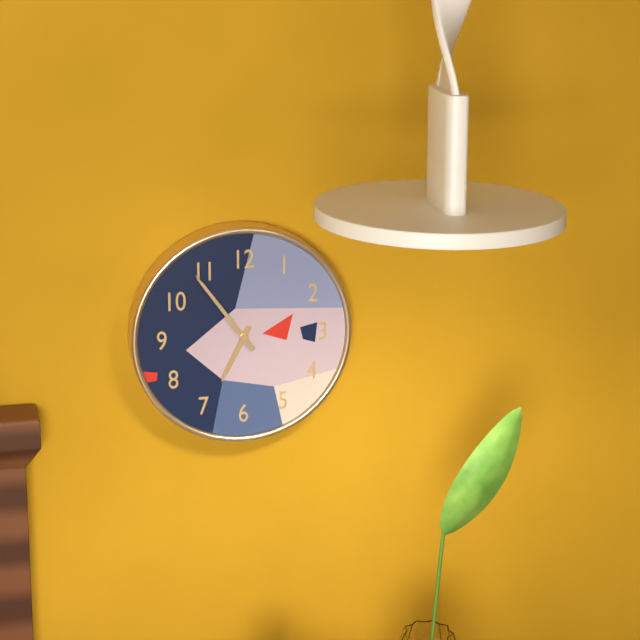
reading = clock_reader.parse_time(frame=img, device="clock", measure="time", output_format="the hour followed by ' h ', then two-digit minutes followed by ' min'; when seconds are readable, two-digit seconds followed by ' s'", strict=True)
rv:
6 h 54 min
